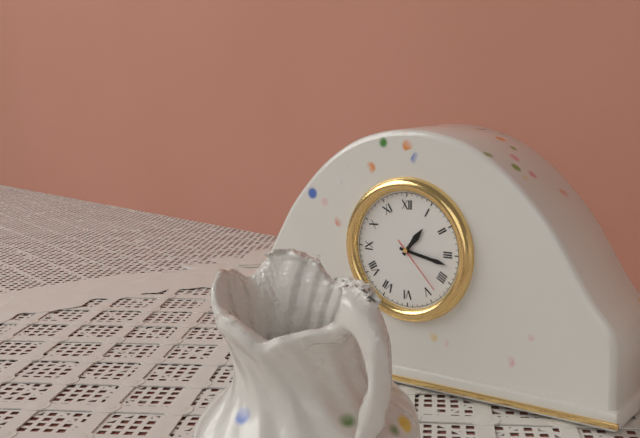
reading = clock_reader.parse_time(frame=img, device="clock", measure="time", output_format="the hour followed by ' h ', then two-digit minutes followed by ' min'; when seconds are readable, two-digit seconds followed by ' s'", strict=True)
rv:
1 h 17 min 23 s
